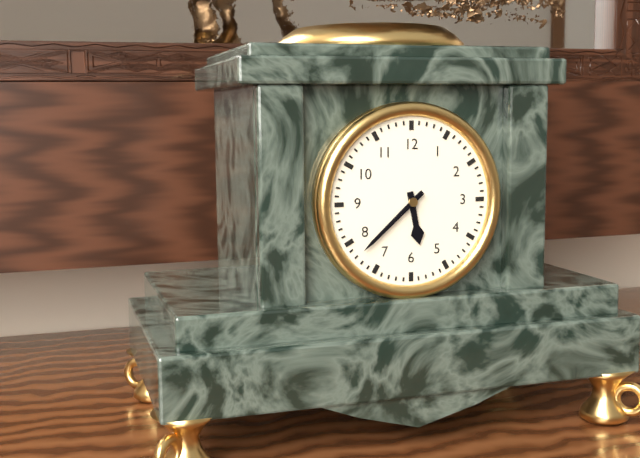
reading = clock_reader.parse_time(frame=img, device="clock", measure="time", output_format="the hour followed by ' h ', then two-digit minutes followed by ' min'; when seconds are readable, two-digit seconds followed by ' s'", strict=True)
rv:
5 h 38 min
